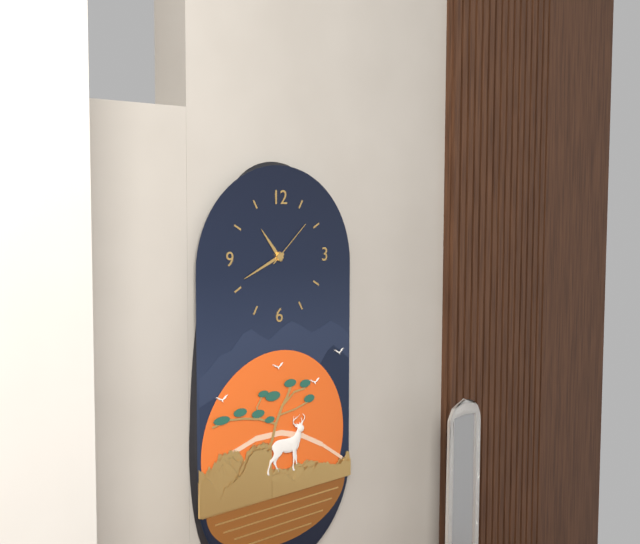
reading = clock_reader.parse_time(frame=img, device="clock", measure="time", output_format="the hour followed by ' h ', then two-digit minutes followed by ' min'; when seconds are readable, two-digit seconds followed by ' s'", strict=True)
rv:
10 h 41 min 08 s
